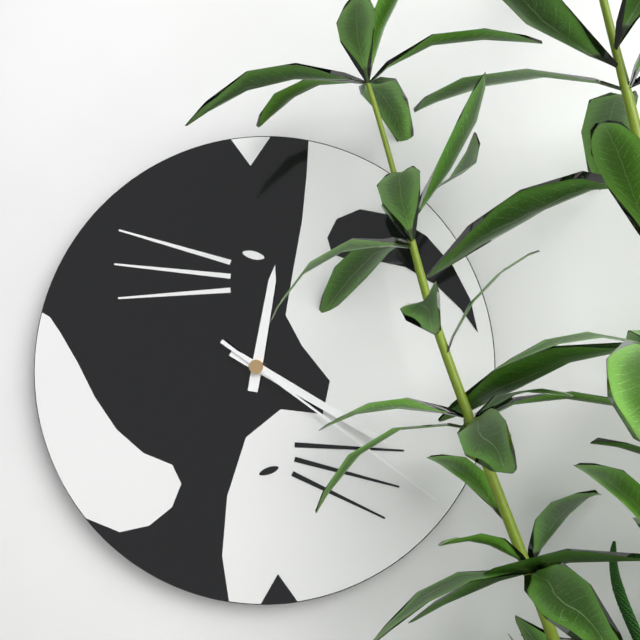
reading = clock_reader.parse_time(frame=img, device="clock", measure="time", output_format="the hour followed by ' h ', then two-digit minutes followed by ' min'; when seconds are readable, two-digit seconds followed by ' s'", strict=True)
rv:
12 h 20 min 21 s
